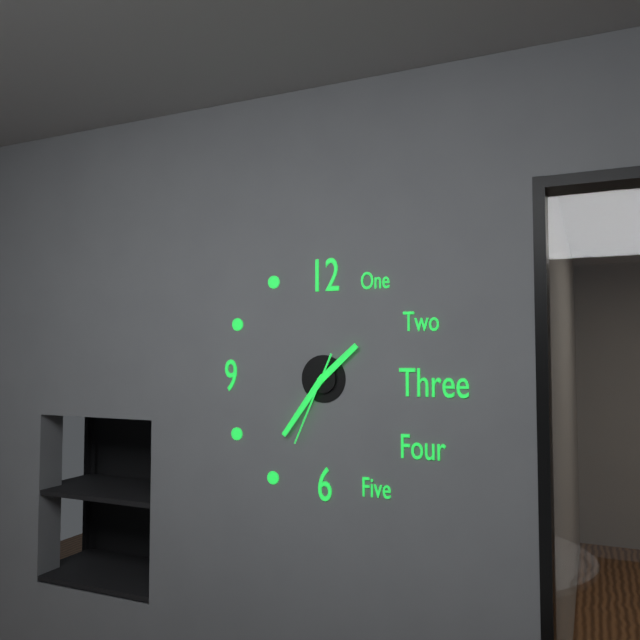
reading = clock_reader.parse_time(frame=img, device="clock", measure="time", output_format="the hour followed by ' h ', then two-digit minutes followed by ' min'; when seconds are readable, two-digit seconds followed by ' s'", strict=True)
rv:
1 h 36 min 34 s
